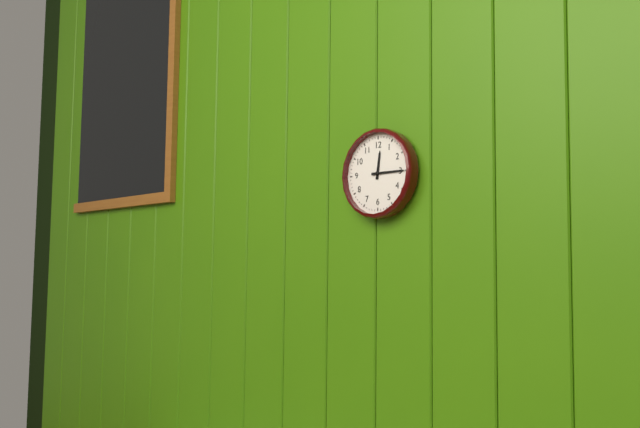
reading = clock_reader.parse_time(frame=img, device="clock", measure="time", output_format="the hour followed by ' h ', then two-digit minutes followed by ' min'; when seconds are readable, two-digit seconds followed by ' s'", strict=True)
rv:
12 h 15 min
